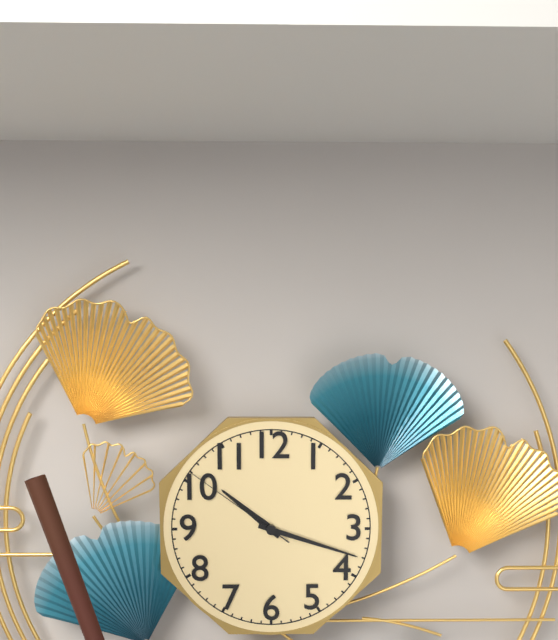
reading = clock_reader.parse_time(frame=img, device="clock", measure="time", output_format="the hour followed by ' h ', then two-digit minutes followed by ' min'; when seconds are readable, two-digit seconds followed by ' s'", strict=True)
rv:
10 h 18 min 51 s
